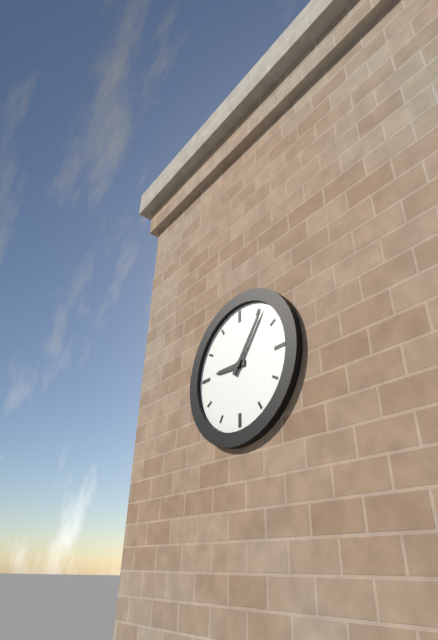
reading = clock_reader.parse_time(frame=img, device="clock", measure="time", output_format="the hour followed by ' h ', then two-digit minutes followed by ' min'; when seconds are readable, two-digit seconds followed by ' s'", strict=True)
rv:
9 h 06 min
